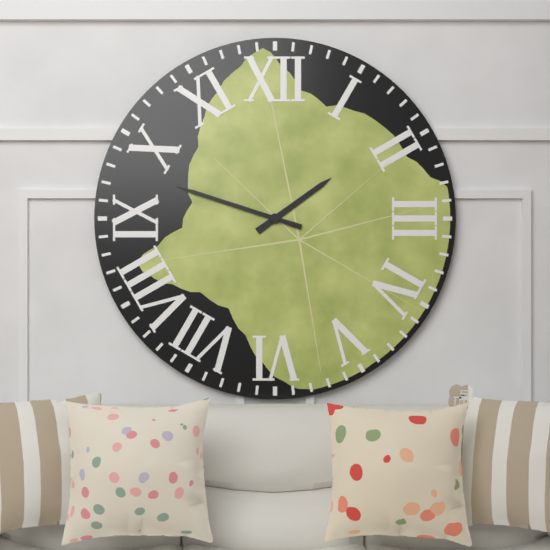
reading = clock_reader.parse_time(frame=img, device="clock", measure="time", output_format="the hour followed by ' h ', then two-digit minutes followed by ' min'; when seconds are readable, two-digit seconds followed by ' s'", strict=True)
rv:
1 h 48 min
